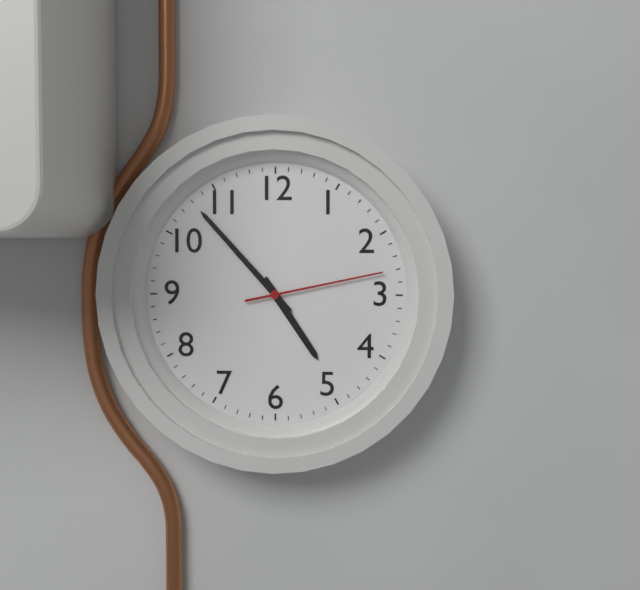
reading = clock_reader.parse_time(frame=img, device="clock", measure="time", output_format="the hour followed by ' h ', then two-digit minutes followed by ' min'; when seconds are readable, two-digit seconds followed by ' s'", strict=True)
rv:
4 h 53 min 13 s
